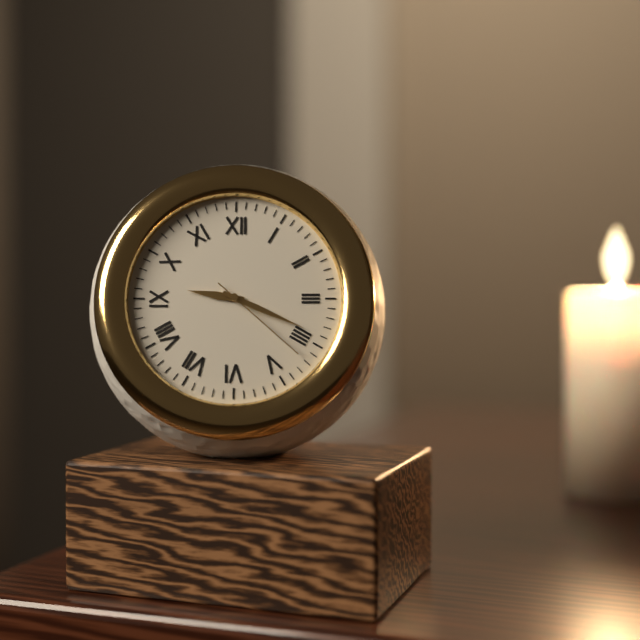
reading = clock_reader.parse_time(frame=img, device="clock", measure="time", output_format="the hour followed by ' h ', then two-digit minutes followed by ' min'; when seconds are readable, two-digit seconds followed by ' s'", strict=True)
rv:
9 h 19 min 22 s
